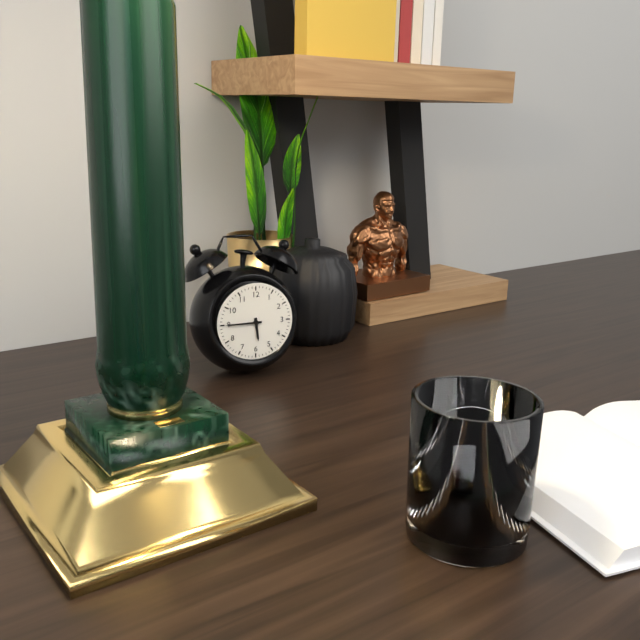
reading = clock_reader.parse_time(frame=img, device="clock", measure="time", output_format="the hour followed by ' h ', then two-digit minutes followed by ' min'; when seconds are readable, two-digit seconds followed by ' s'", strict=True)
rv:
5 h 45 min
